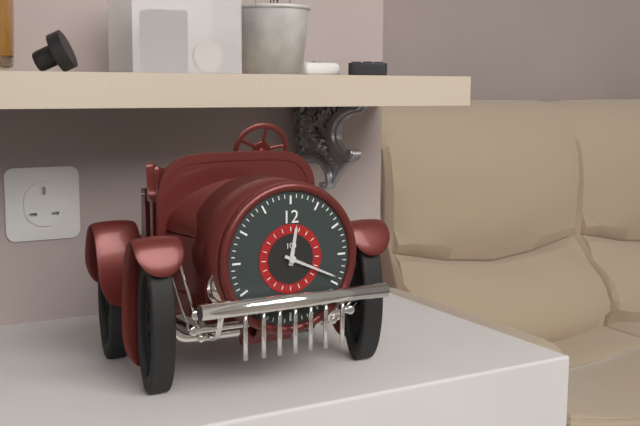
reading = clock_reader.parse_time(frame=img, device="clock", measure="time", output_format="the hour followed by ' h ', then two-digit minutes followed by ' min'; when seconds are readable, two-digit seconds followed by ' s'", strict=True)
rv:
12 h 19 min
